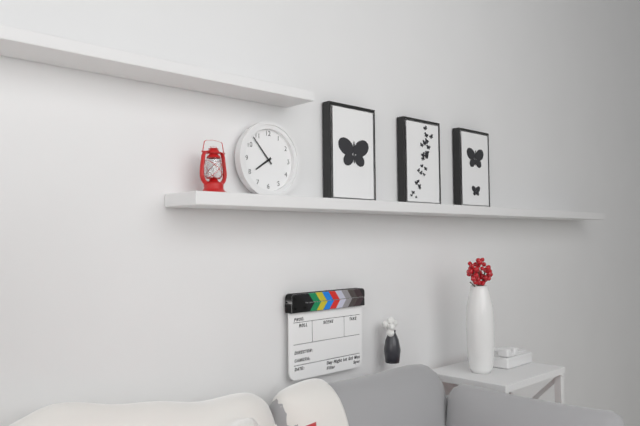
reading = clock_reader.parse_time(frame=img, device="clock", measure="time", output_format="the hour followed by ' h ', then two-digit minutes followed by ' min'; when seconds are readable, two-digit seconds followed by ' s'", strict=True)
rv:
7 h 53 min
